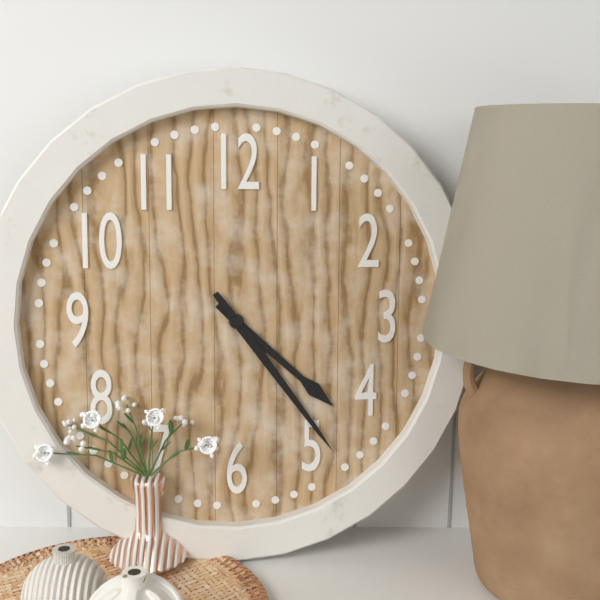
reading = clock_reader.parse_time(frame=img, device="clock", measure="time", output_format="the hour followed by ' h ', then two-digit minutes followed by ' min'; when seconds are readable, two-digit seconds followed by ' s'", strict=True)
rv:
4 h 24 min
